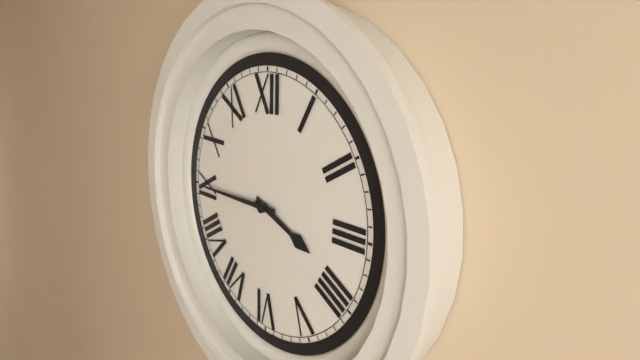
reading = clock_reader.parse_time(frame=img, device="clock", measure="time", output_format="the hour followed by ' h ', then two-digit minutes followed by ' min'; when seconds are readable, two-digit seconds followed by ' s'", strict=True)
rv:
3 h 45 min
